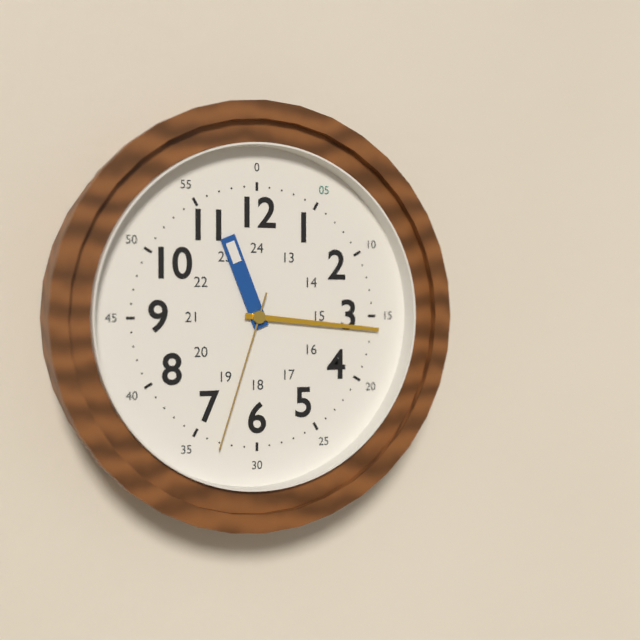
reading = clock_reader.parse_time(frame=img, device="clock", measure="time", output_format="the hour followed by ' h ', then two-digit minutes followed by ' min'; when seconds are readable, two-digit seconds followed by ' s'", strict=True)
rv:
11 h 16 min 33 s
